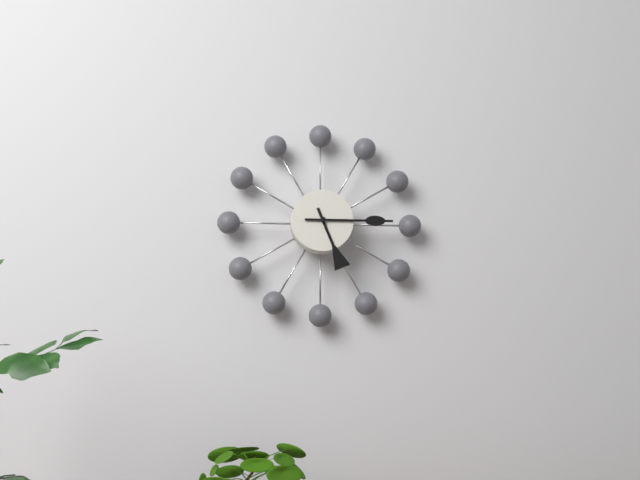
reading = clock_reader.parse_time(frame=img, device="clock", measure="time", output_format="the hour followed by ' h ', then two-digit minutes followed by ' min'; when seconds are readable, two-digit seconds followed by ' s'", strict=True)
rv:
5 h 15 min
